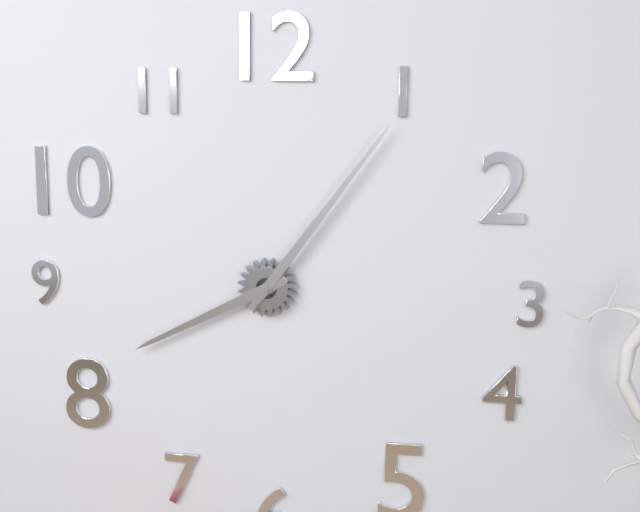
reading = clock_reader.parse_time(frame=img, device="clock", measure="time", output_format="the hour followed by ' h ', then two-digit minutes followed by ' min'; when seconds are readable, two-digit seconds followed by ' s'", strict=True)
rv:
8 h 06 min
